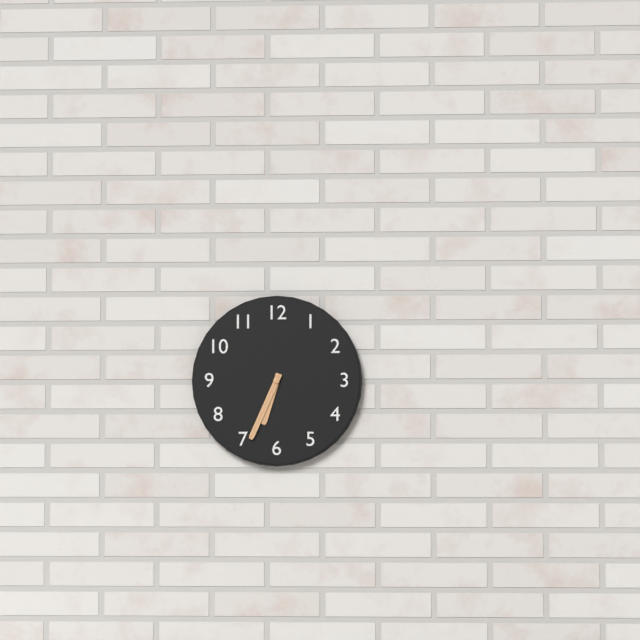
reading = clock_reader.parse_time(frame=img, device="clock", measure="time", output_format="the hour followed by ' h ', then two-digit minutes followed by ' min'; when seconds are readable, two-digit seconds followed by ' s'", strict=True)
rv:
6 h 34 min
